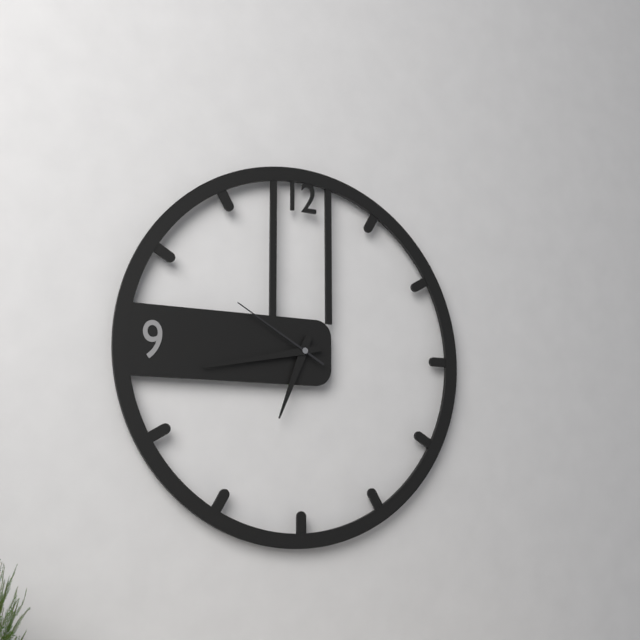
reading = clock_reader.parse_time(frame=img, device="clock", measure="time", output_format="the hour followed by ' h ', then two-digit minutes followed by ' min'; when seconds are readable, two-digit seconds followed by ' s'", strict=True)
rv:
6 h 43 min 50 s
